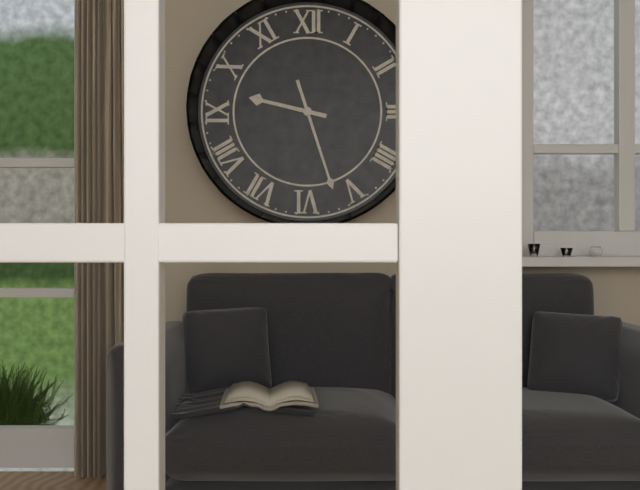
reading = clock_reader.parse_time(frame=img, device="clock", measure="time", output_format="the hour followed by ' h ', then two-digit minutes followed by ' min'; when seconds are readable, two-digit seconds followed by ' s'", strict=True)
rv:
9 h 27 min
